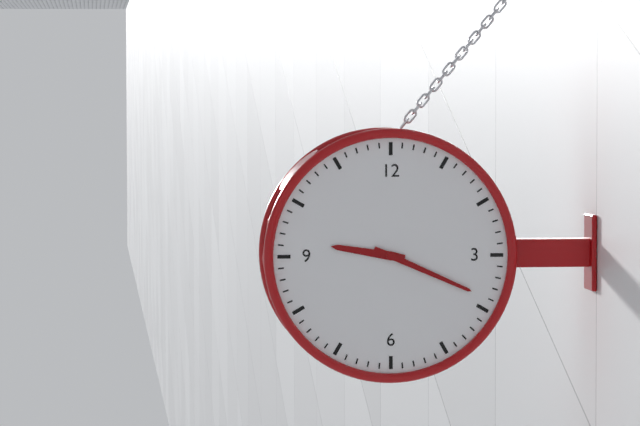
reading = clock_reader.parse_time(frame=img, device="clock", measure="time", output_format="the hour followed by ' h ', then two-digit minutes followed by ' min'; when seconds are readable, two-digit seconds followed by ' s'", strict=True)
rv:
9 h 19 min
